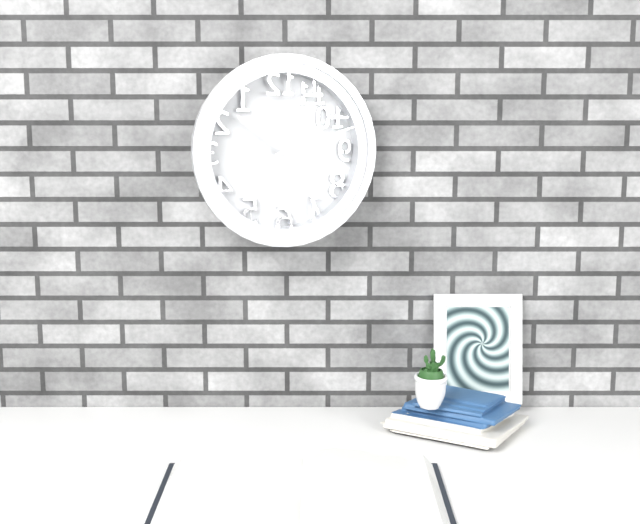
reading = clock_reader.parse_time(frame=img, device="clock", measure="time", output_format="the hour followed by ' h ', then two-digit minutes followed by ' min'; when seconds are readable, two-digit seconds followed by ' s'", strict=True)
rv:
10 h 12 min
